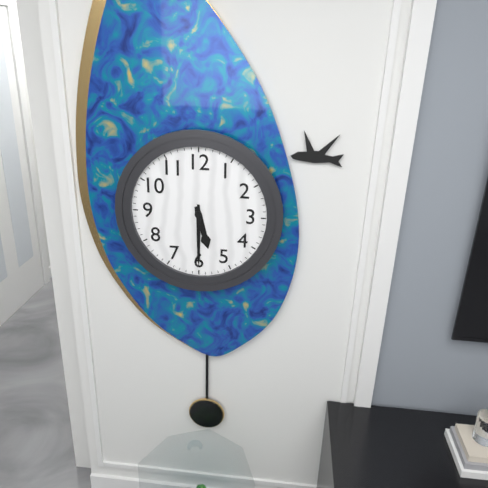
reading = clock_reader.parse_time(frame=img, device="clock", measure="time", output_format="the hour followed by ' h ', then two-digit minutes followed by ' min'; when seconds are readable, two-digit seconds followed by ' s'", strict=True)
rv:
5 h 30 min
